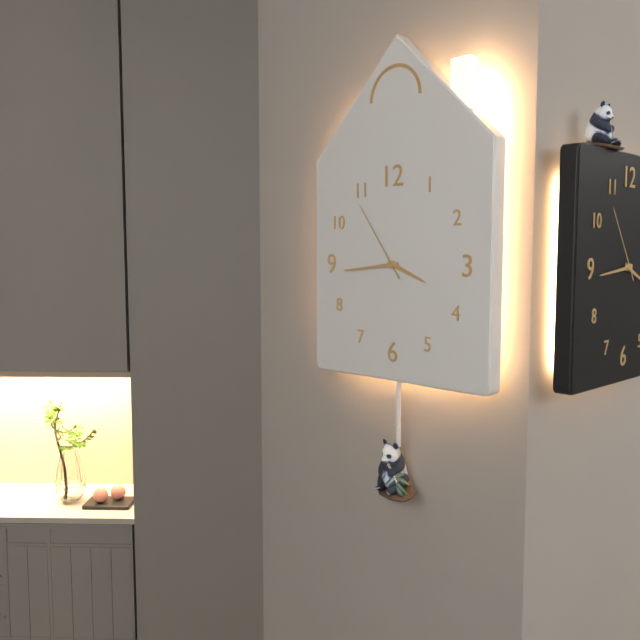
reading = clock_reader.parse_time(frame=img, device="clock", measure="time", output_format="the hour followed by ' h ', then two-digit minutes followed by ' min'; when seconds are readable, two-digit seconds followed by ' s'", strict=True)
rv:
3 h 44 min 54 s
